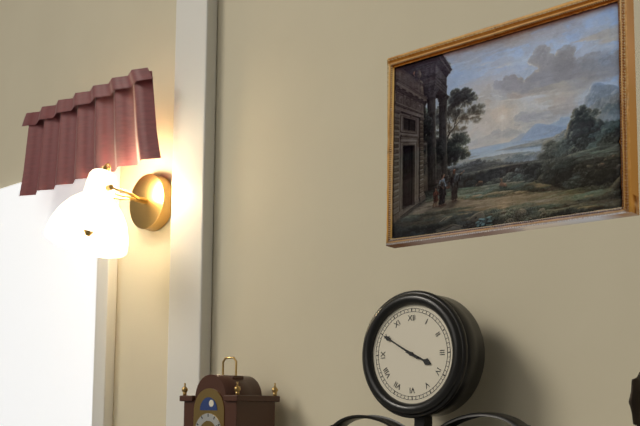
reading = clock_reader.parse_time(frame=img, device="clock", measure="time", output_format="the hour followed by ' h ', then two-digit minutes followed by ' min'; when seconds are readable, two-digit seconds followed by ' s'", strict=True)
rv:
3 h 50 min
